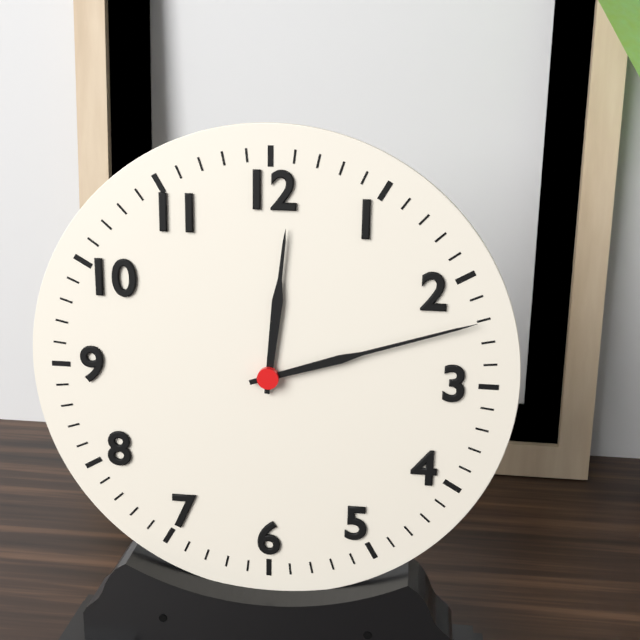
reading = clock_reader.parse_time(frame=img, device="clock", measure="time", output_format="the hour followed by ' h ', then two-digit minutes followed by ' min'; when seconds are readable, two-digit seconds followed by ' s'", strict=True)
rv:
12 h 12 min
